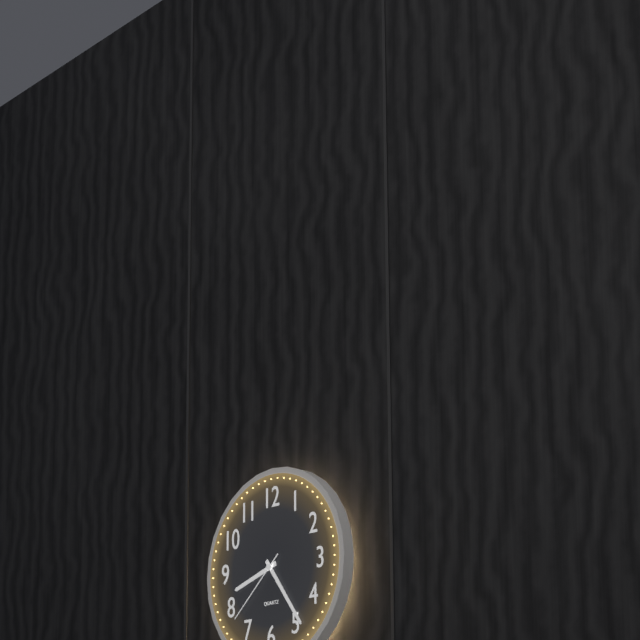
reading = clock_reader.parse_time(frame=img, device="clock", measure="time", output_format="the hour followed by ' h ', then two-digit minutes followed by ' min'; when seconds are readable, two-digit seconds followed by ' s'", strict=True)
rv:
8 h 24 min 38 s
